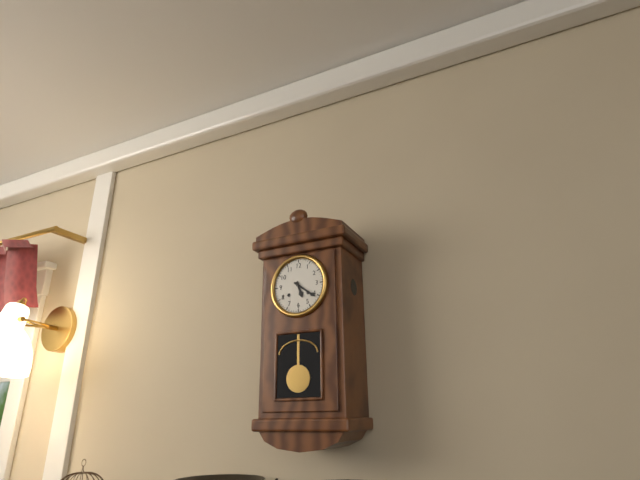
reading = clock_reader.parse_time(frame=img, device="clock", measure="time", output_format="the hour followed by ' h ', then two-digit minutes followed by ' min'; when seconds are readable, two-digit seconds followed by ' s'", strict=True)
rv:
5 h 21 min
